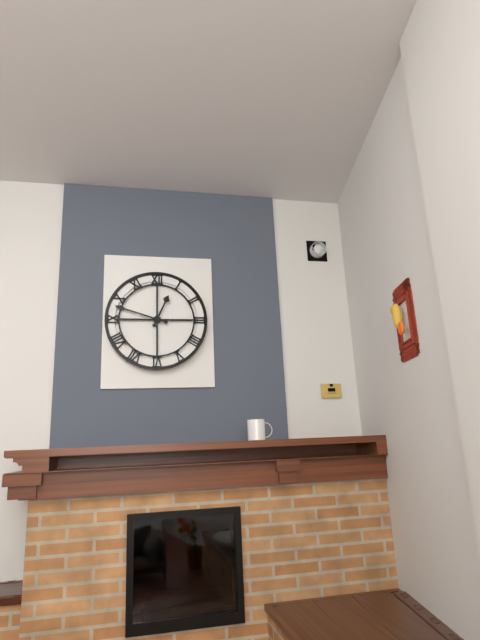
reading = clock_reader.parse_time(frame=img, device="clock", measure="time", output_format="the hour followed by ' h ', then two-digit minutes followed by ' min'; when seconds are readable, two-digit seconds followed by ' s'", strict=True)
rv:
12 h 48 min
